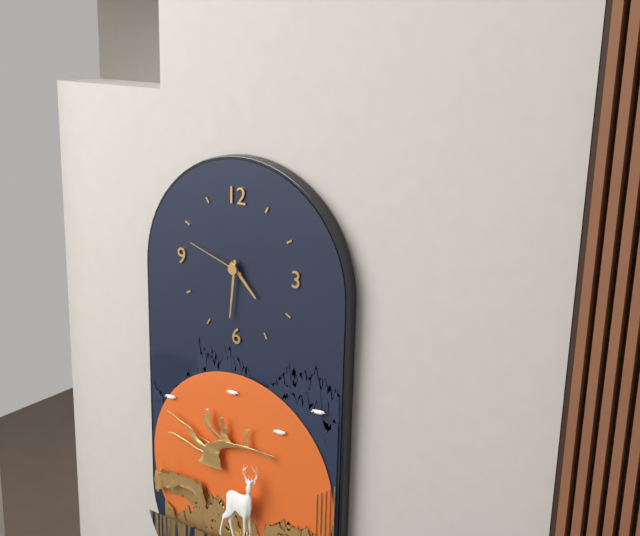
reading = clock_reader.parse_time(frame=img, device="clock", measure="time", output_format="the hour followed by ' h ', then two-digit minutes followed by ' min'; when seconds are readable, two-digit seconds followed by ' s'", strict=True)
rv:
4 h 31 min 48 s
